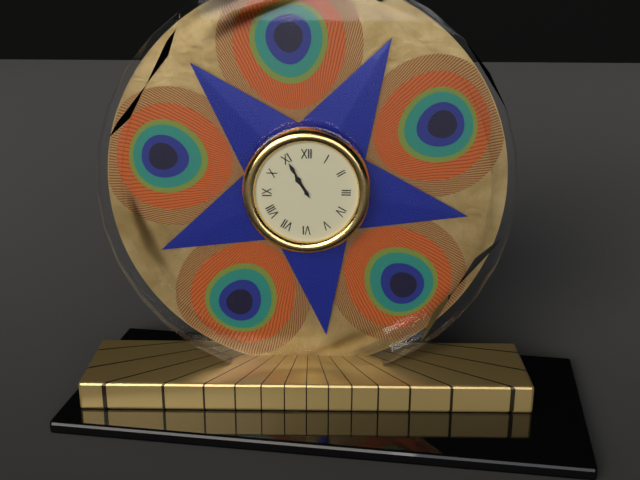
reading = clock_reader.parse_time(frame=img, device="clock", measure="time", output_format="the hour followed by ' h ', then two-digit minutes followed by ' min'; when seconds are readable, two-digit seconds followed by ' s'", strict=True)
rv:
10 h 55 min
